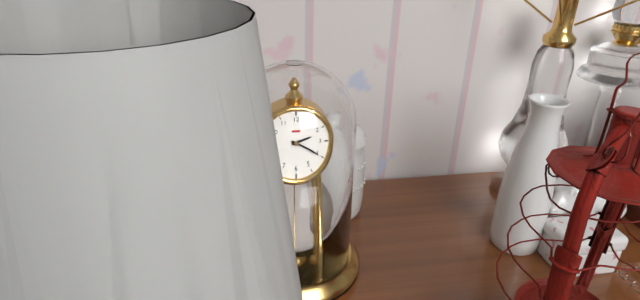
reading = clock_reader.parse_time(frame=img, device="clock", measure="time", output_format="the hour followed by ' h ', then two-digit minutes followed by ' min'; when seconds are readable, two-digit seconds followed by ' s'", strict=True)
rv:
2 h 20 min
